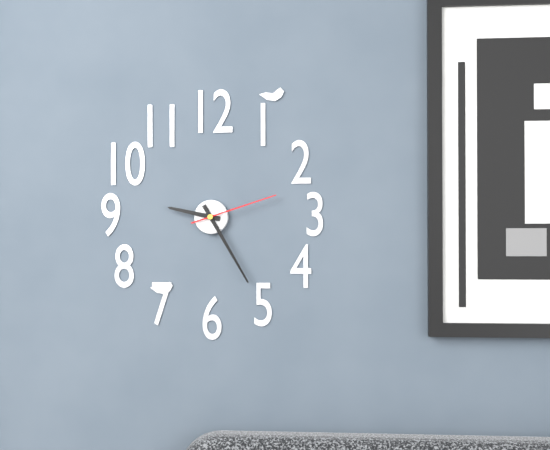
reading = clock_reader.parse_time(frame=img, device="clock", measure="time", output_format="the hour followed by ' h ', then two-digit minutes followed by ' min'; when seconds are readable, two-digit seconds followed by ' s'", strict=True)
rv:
9 h 25 min 12 s
